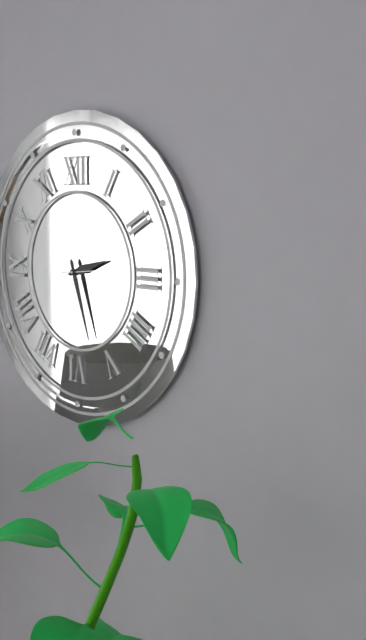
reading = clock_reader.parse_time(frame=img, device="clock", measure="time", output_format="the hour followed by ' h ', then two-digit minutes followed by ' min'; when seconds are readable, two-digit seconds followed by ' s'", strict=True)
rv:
2 h 27 min
